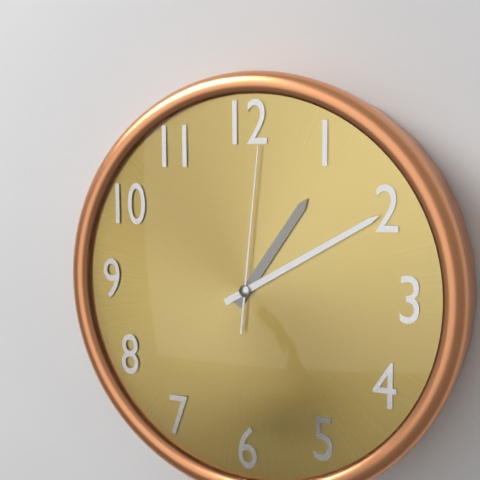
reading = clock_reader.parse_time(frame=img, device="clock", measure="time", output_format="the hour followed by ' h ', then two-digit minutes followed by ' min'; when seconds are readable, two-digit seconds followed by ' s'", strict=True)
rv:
1 h 10 min 01 s
